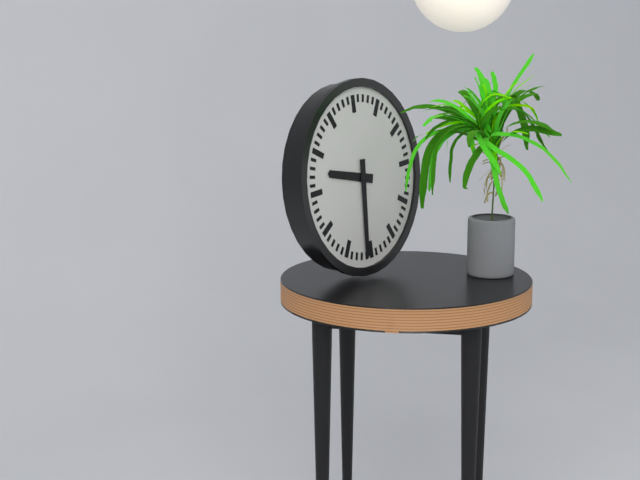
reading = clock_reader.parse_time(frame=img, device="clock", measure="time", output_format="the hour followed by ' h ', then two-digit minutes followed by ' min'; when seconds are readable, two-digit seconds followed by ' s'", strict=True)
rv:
9 h 31 min
